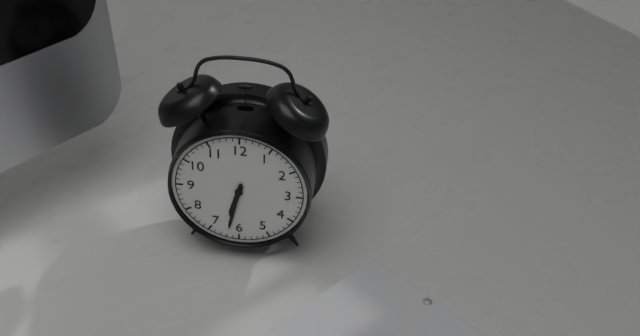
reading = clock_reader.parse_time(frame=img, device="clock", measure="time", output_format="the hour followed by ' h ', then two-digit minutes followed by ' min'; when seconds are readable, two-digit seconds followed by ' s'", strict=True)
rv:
6 h 32 min
